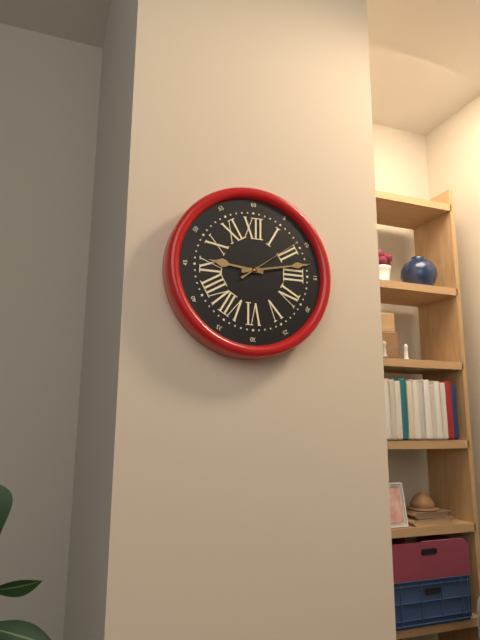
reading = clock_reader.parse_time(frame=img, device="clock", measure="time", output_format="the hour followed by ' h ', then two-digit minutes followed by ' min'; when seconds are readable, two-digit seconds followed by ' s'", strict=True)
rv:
9 h 13 min 09 s
